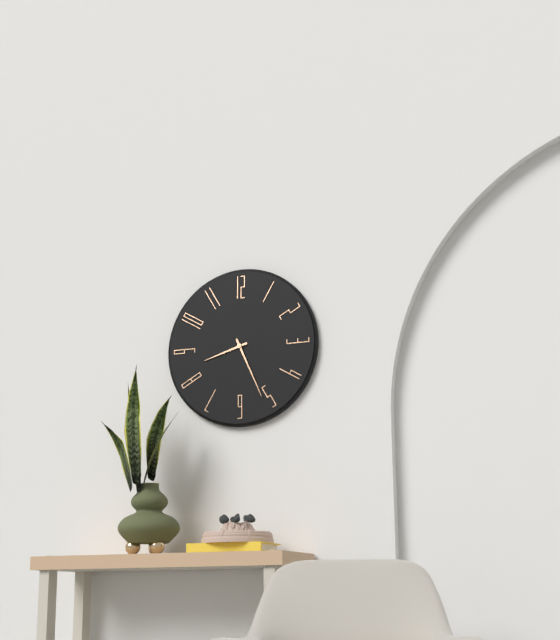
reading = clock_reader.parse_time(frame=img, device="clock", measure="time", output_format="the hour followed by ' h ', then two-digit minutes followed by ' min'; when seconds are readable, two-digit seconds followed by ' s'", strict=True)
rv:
8 h 26 min
